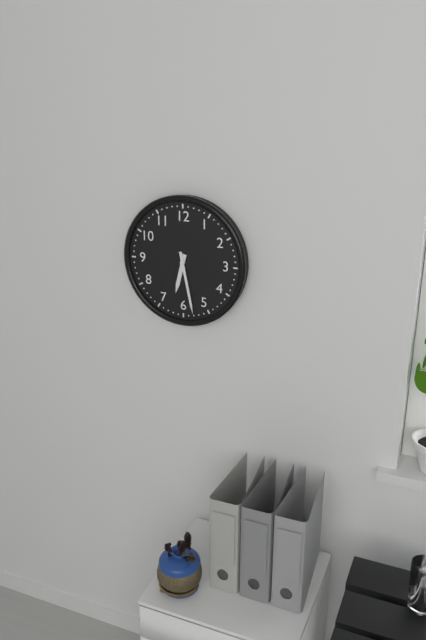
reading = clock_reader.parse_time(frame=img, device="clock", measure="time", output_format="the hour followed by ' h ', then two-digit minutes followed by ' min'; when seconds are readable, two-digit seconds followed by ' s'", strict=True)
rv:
6 h 28 min
